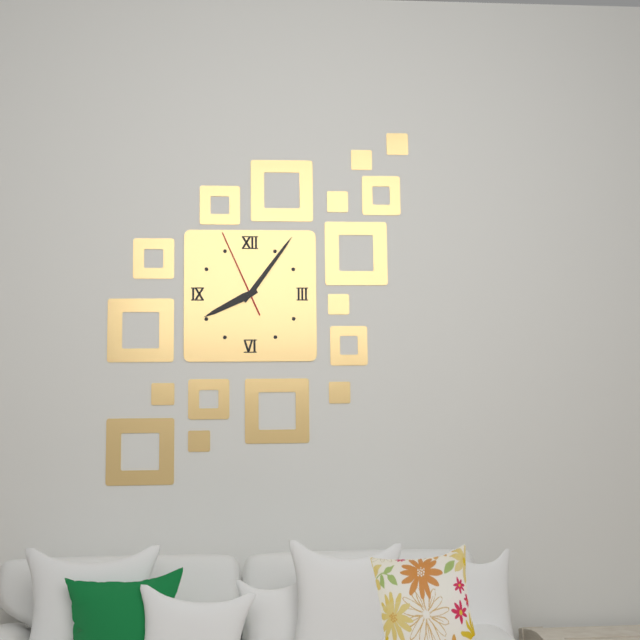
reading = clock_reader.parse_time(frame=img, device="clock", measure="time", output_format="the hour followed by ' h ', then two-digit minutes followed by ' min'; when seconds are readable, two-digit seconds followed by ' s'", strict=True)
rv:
8 h 06 min 56 s
